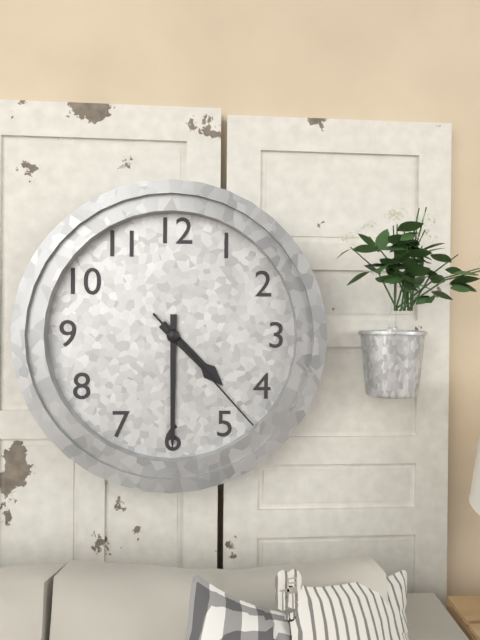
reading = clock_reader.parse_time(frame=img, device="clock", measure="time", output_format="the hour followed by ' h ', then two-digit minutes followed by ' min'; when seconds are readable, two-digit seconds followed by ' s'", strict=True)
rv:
4 h 30 min 23 s
